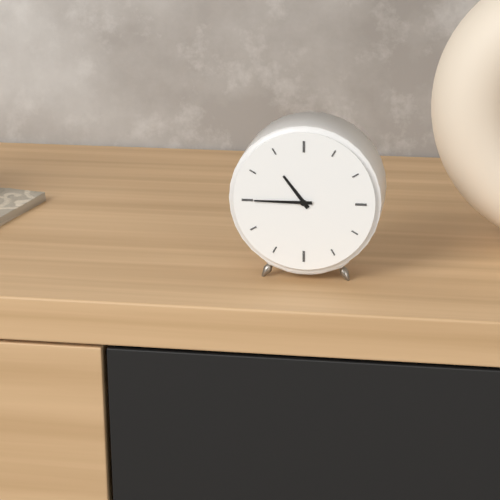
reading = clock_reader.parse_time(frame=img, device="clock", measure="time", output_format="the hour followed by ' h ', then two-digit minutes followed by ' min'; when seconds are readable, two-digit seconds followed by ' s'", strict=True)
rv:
10 h 45 min
